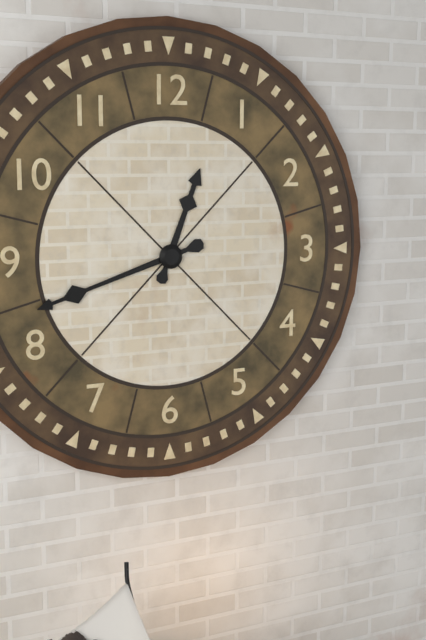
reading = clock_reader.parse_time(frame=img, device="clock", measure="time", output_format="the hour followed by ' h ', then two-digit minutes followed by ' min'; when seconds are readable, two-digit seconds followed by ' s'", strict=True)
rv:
12 h 42 min
